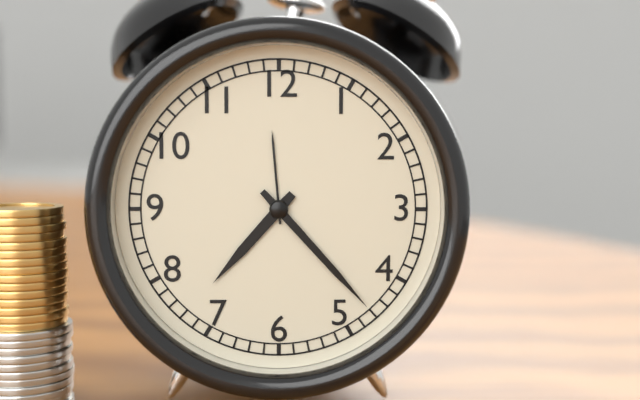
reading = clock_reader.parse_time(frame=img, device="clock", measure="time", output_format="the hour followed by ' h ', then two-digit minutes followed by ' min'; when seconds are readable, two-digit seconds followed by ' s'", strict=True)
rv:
7 h 23 min
